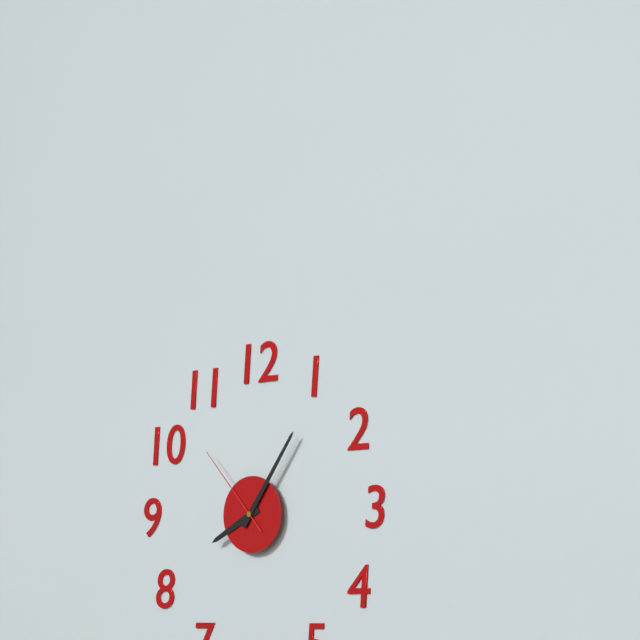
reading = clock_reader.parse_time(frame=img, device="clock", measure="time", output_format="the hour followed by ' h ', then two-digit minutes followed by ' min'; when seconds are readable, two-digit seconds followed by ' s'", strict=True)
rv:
8 h 06 min 53 s
